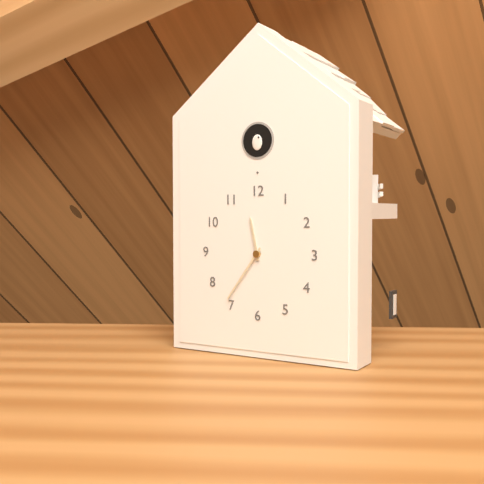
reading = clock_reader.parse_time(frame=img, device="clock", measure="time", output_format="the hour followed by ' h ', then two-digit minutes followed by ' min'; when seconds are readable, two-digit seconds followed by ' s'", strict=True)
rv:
11 h 36 min
